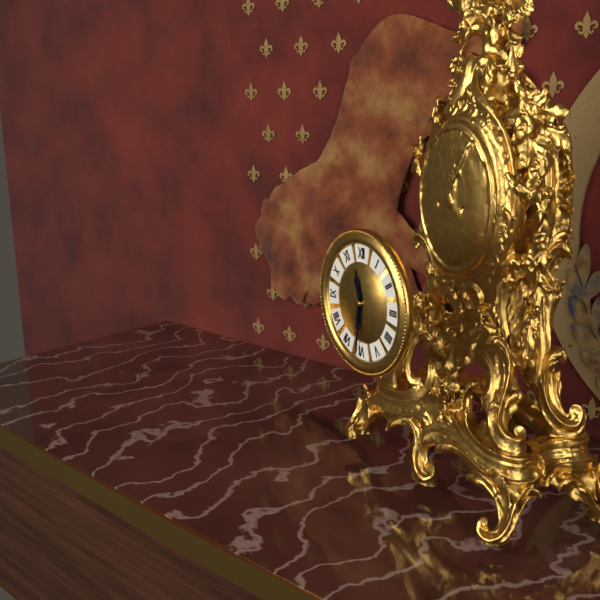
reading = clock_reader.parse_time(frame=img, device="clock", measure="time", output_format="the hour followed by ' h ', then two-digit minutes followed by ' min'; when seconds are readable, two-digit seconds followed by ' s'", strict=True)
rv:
11 h 31 min
